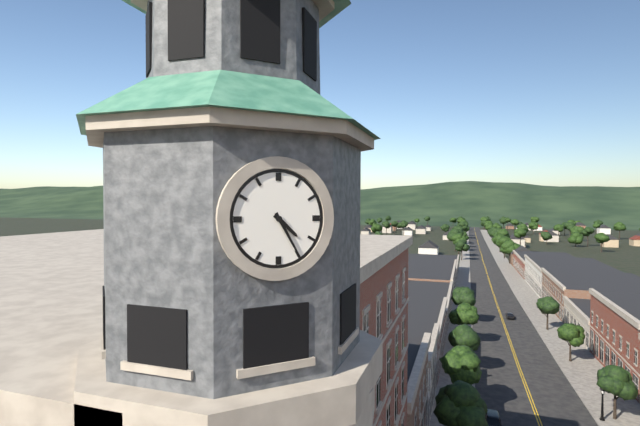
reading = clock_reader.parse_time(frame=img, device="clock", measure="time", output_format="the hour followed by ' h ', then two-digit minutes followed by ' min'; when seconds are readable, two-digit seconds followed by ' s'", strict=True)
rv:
4 h 25 min
